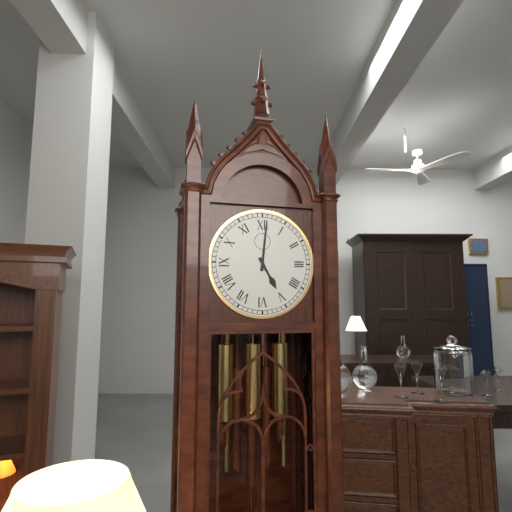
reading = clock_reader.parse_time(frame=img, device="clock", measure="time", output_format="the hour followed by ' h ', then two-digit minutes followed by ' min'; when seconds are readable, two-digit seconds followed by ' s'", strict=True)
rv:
5 h 01 min
